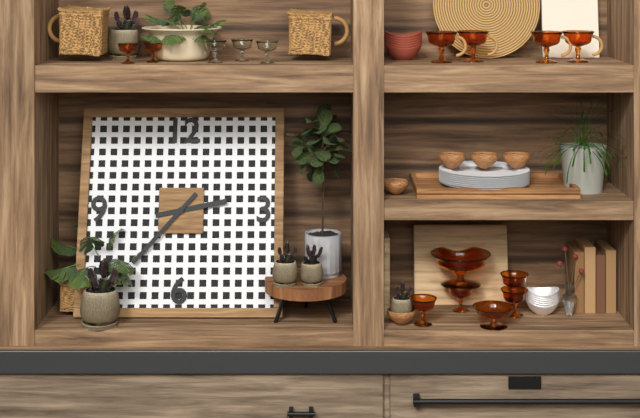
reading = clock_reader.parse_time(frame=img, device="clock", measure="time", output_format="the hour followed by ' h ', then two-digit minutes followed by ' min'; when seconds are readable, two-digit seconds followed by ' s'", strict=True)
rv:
2 h 37 min
